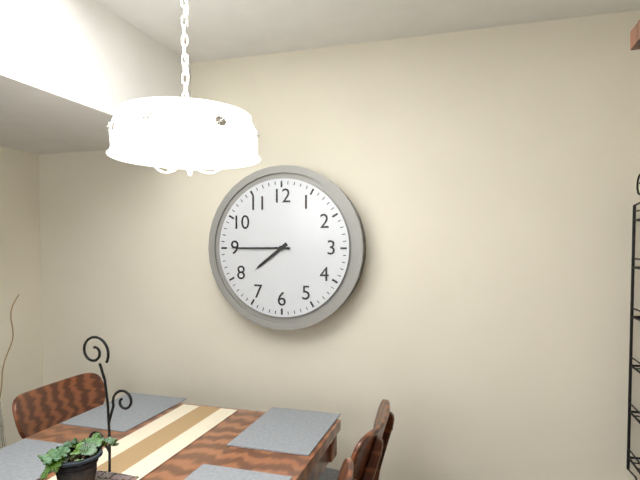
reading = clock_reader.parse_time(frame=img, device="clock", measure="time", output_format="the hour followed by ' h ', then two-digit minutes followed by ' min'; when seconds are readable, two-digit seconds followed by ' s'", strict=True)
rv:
7 h 45 min
